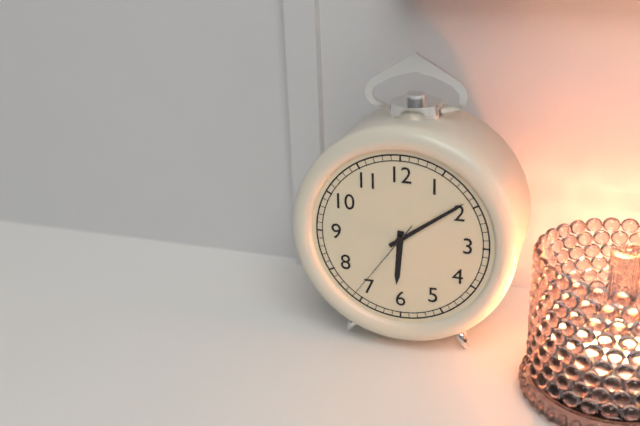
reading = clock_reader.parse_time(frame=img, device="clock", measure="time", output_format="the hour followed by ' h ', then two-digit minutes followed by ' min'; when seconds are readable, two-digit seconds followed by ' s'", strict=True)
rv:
6 h 09 min 36 s
